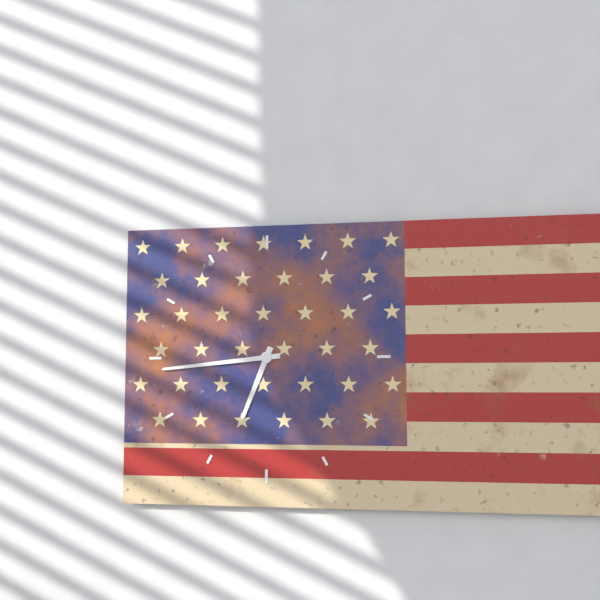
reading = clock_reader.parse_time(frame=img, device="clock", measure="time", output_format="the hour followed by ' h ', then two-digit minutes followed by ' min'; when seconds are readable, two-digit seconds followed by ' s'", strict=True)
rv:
6 h 44 min
